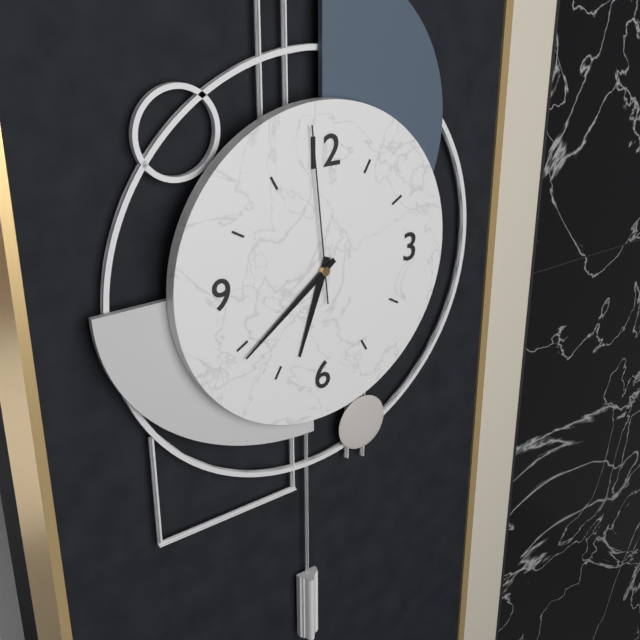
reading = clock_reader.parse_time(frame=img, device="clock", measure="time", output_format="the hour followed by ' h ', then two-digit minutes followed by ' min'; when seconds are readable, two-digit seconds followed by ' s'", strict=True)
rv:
6 h 39 min 59 s
